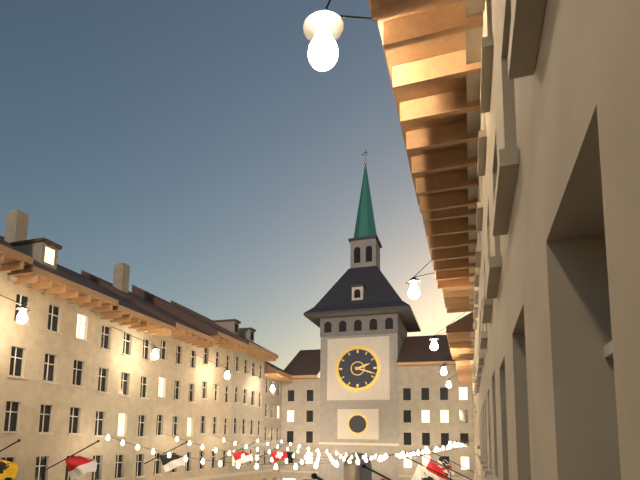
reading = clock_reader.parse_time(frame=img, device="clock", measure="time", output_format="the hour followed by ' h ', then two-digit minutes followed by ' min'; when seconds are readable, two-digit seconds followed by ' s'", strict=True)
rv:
2 h 18 min
